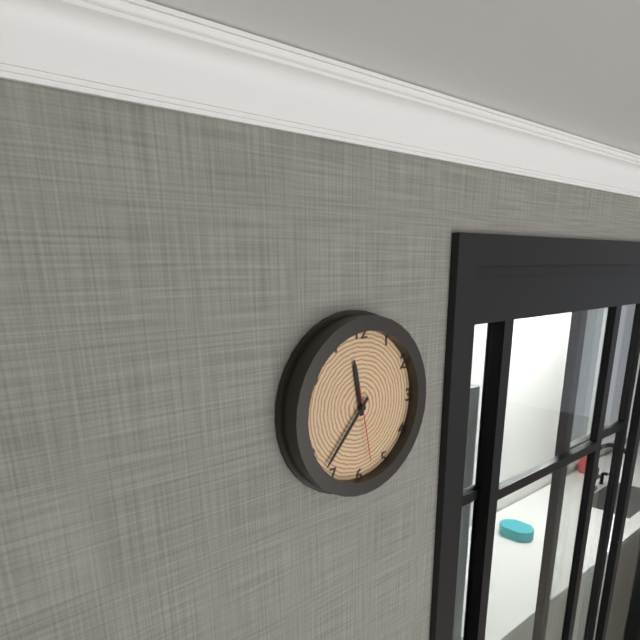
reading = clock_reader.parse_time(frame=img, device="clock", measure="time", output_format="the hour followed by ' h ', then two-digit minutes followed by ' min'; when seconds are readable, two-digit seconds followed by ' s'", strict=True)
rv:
11 h 37 min 28 s
